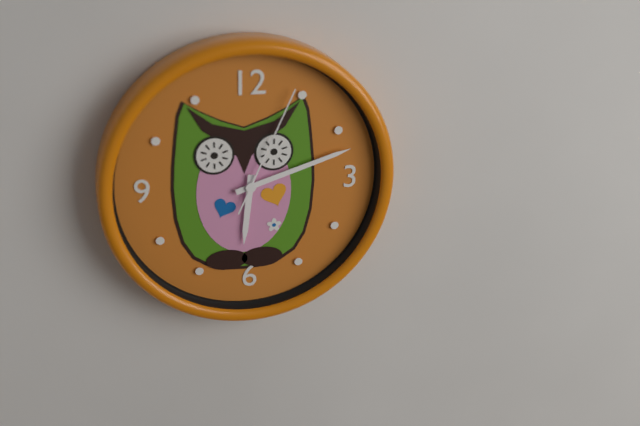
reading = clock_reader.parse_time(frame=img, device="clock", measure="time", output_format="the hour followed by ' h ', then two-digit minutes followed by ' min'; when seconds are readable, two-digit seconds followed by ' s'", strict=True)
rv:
6 h 12 min 04 s
